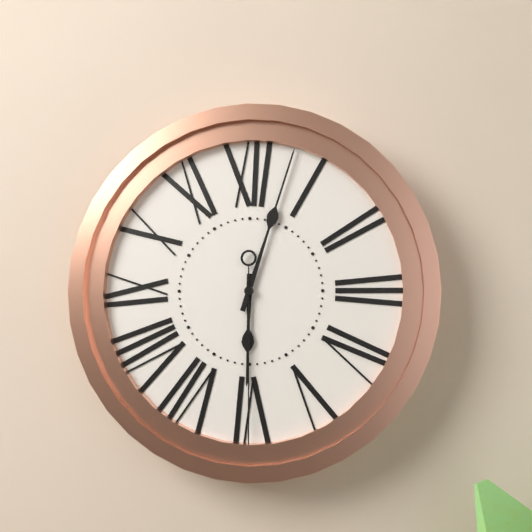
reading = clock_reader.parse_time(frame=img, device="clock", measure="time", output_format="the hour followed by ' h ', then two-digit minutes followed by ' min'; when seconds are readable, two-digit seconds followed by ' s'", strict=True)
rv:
6 h 03 min 30 s
